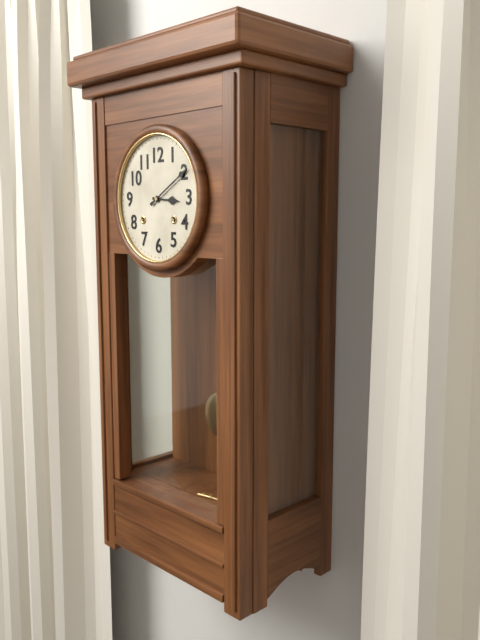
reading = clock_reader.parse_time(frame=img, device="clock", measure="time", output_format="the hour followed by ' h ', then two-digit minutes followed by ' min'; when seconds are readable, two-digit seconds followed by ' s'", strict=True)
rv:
3 h 10 min
